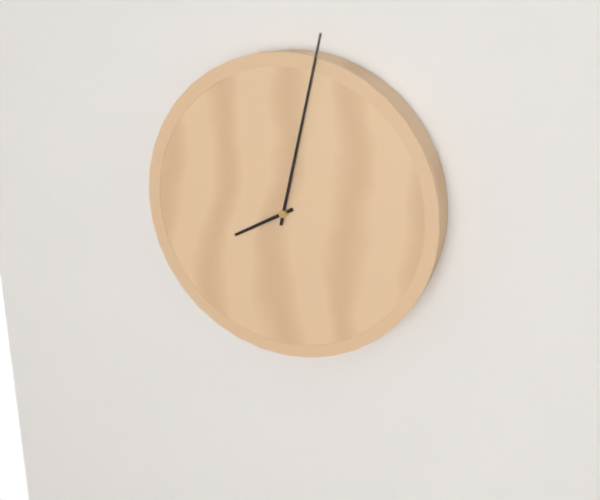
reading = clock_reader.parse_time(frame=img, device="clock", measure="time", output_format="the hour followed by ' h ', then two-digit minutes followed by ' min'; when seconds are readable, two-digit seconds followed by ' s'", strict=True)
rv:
8 h 02 min
